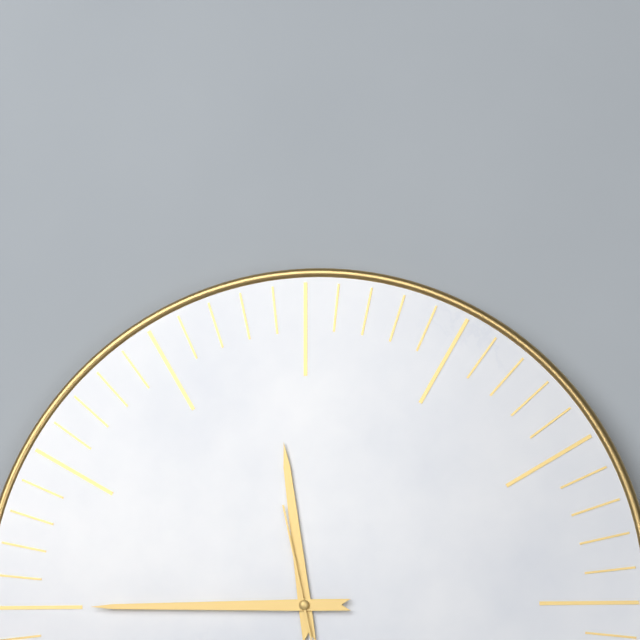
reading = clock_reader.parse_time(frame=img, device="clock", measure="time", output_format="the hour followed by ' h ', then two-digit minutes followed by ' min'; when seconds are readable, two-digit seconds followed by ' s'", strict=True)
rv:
11 h 45 min
